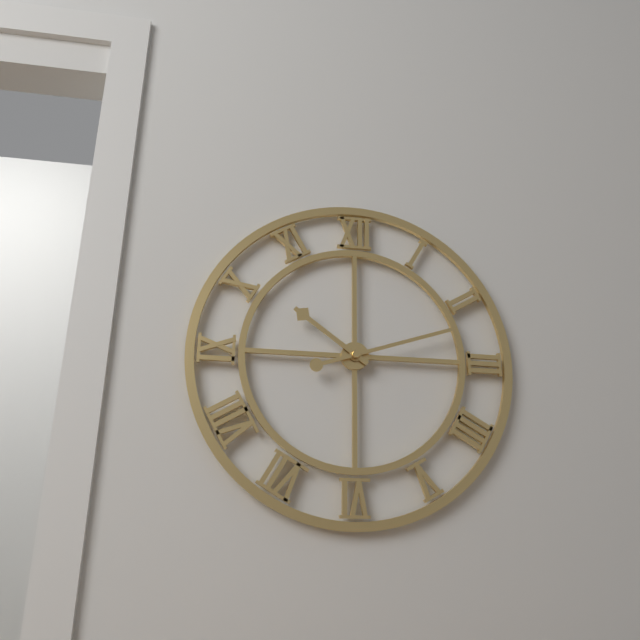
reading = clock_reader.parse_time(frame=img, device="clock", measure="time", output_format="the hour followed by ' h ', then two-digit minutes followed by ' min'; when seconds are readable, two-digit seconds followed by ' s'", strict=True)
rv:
10 h 12 min
